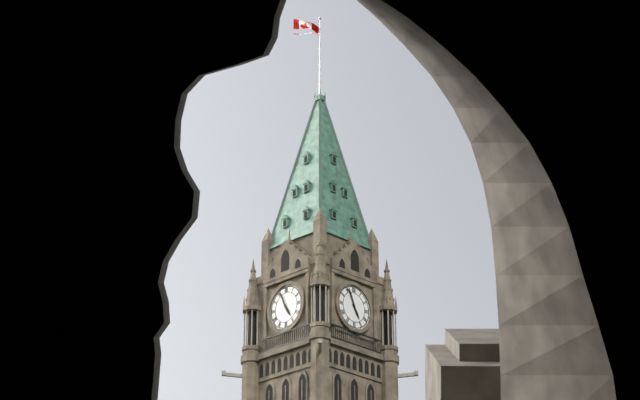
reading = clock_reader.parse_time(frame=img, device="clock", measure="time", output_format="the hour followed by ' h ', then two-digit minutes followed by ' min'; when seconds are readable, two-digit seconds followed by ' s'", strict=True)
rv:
4 h 56 min
